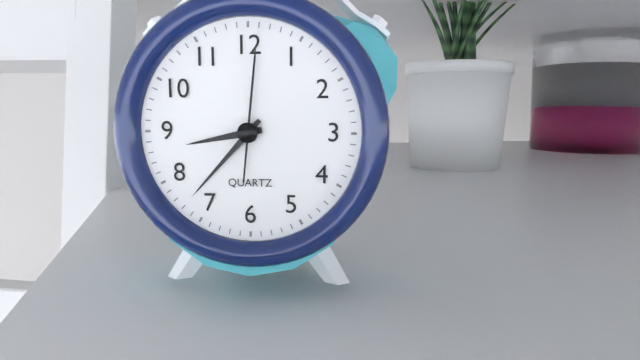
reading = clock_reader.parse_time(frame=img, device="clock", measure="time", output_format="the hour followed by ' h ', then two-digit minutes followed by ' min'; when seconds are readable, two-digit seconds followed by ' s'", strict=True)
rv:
8 h 37 min 01 s
